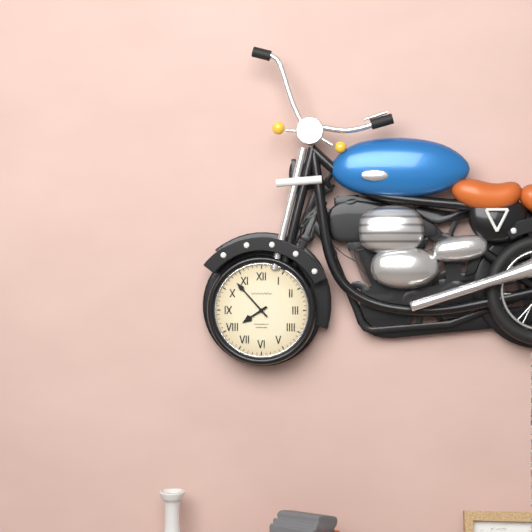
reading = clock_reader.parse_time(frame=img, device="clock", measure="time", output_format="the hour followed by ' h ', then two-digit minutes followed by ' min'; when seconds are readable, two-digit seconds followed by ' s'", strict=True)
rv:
7 h 53 min
